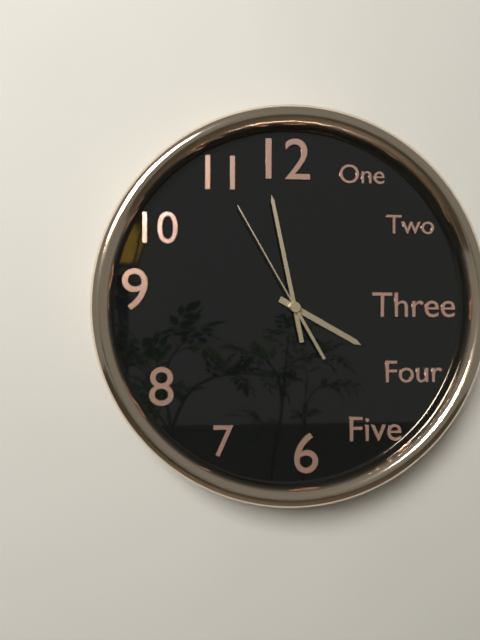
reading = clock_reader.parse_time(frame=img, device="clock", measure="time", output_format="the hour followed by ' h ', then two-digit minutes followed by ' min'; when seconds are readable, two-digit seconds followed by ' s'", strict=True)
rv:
3 h 58 min 55 s
